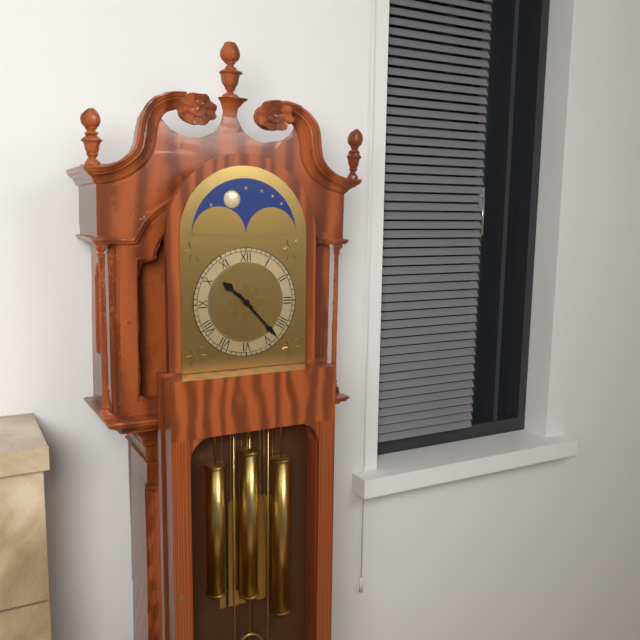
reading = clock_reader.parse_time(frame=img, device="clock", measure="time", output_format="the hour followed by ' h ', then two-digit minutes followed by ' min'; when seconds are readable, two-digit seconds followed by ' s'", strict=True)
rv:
10 h 23 min
